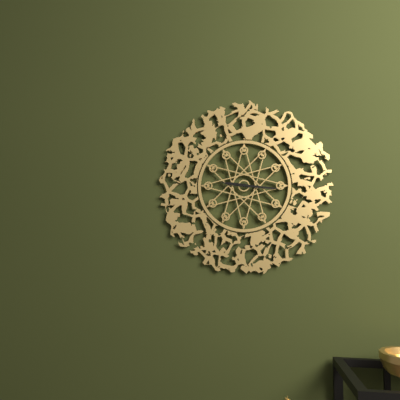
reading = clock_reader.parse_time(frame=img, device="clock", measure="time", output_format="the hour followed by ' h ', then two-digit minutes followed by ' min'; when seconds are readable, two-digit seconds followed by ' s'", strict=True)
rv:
9 h 16 min
